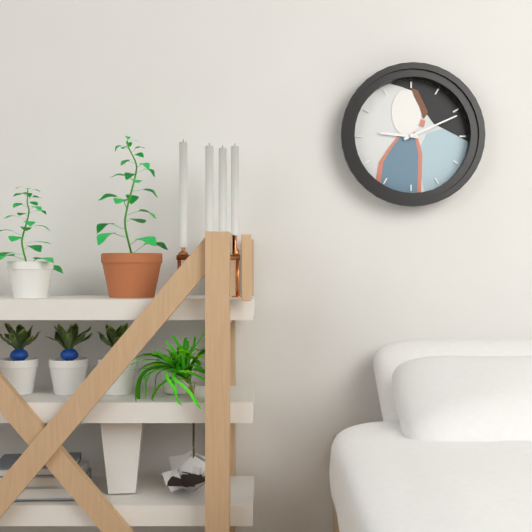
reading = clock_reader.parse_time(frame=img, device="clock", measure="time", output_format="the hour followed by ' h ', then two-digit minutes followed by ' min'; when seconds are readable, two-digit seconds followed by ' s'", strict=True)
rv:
9 h 11 min
